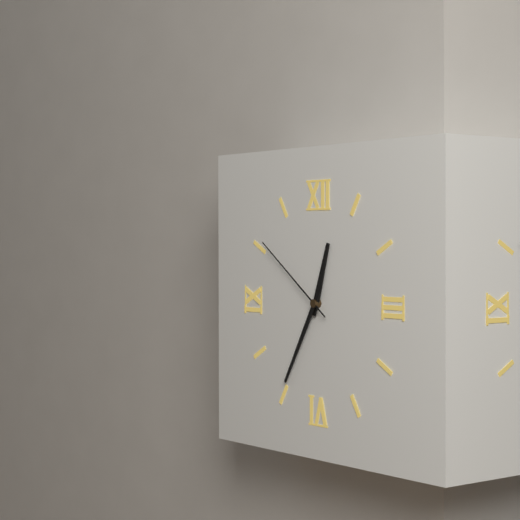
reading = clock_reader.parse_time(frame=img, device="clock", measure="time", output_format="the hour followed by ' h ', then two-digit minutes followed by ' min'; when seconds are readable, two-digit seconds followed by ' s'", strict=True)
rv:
12 h 35 min 51 s
